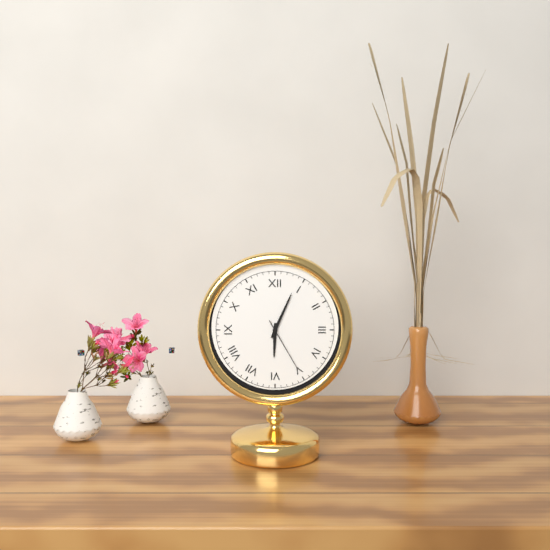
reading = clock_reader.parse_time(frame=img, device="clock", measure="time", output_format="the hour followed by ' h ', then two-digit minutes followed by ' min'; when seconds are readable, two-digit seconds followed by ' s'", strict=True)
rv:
6 h 04 min 25 s
